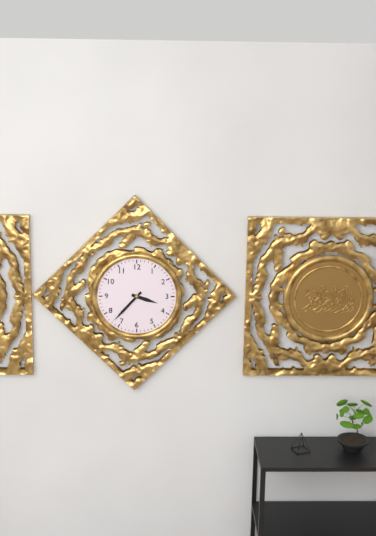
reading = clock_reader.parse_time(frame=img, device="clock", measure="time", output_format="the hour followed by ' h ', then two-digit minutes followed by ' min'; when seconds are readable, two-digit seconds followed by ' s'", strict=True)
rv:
3 h 37 min
